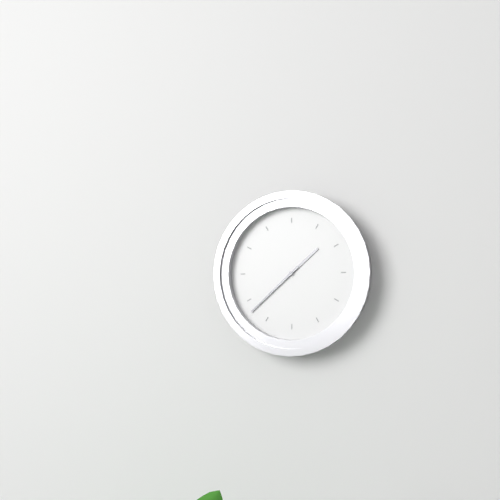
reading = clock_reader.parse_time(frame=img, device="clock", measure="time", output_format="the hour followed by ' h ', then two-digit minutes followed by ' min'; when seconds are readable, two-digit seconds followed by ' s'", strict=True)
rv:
1 h 38 min
